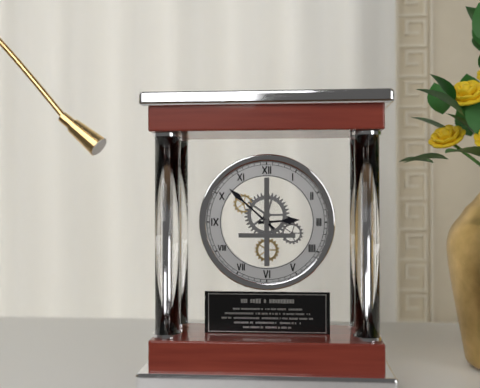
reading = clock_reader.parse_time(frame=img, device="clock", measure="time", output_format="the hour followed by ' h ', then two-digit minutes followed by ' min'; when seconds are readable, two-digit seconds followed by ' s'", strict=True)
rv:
2 h 52 min
